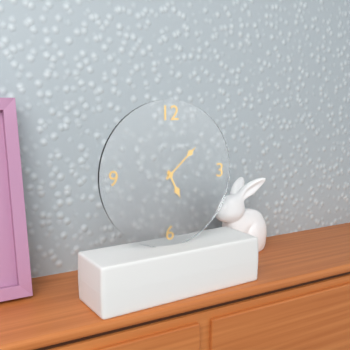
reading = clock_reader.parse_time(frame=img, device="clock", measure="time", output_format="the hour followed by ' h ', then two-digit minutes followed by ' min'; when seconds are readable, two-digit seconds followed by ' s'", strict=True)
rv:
5 h 08 min
